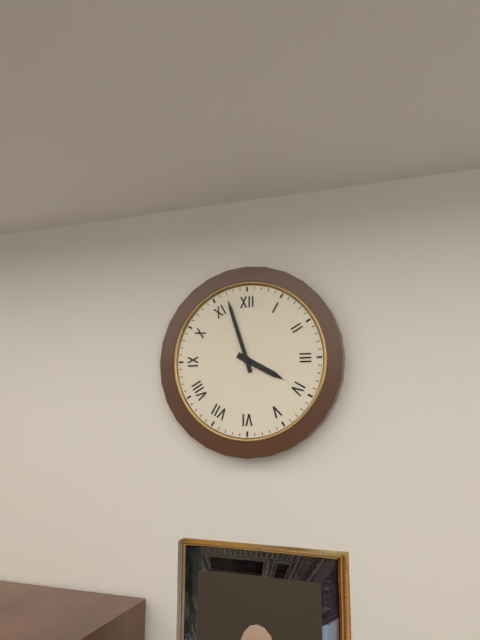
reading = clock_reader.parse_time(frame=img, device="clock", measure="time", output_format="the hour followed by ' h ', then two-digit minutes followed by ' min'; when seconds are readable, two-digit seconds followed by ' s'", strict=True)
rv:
3 h 57 min
